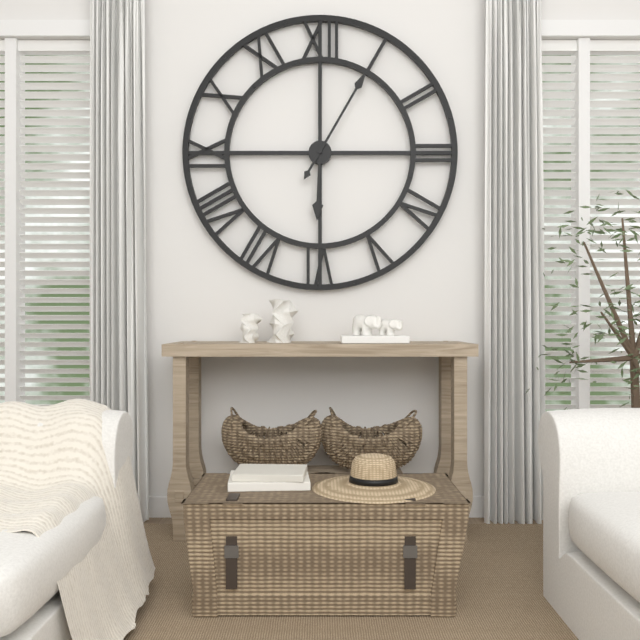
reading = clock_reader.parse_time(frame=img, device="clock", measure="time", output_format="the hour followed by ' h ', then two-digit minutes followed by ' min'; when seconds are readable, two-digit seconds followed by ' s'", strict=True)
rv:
6 h 05 min
